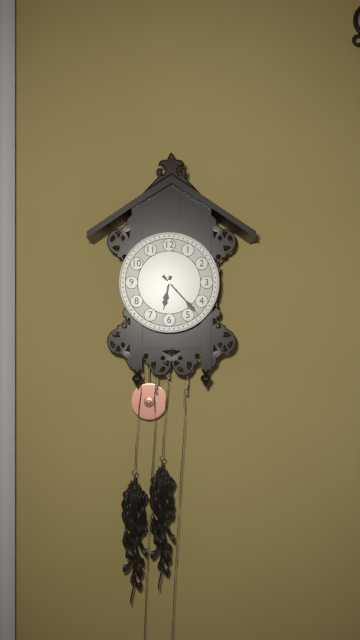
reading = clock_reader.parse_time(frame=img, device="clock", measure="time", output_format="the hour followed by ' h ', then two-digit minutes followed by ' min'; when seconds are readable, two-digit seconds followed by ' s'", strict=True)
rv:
6 h 23 min
